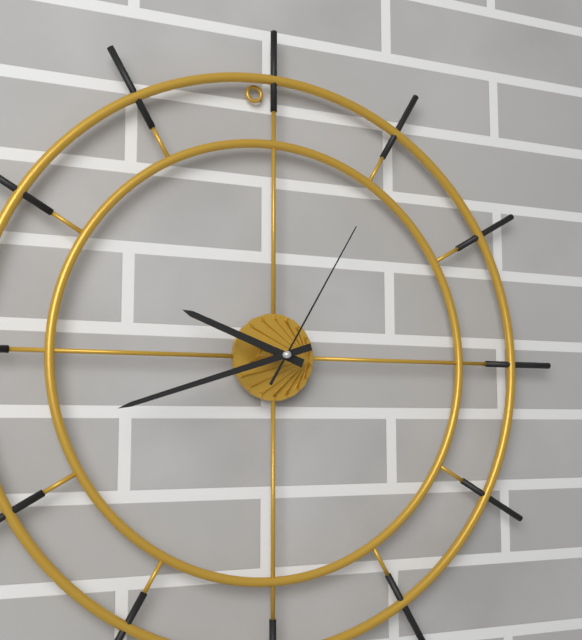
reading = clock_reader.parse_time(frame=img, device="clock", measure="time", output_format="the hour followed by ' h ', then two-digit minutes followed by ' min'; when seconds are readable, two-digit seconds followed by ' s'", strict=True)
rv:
9 h 42 min 05 s
